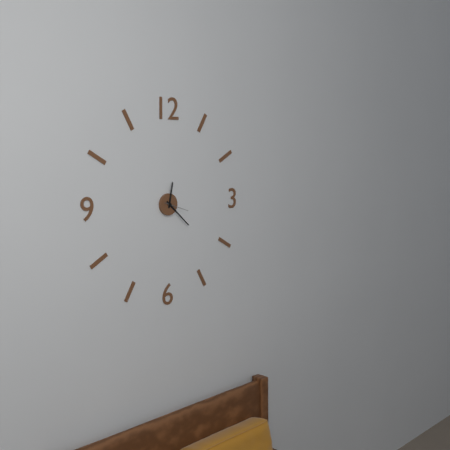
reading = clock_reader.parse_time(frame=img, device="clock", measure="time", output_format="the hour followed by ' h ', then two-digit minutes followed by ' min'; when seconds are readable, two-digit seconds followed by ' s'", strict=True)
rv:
12 h 22 min
